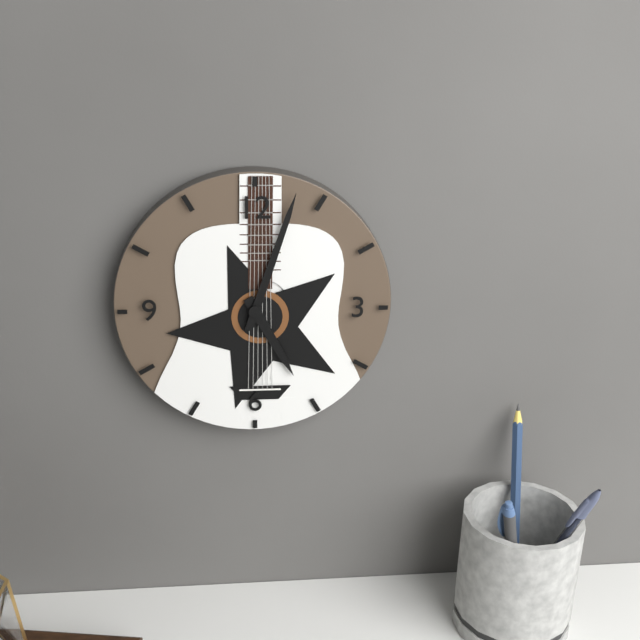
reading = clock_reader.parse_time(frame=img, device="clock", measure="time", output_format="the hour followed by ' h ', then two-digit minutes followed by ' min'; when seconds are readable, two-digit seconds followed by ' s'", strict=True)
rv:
5 h 03 min
